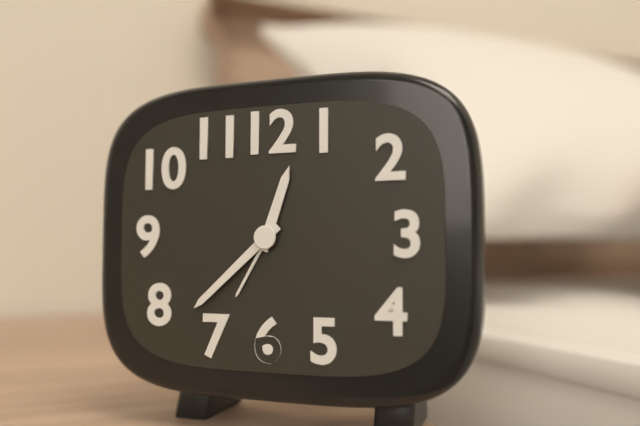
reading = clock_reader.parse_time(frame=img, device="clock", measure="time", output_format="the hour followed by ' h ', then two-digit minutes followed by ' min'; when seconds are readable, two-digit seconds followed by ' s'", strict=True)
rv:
12 h 38 min
